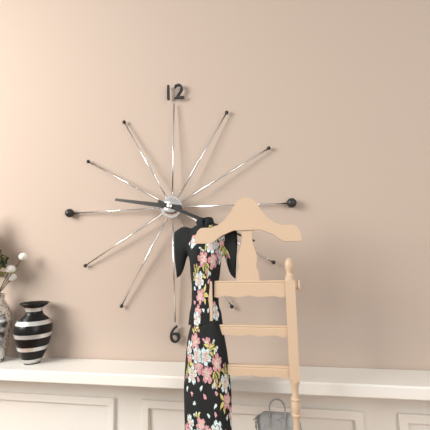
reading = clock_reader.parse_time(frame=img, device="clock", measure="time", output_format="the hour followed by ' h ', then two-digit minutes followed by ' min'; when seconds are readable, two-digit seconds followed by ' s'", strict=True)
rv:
9 h 19 min
